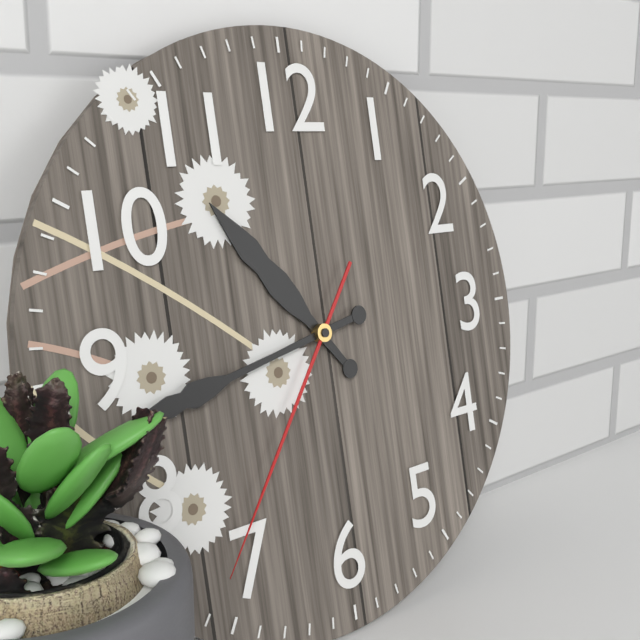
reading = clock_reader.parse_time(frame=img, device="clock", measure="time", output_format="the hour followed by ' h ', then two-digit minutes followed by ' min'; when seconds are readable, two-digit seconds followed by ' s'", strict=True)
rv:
10 h 43 min 36 s
